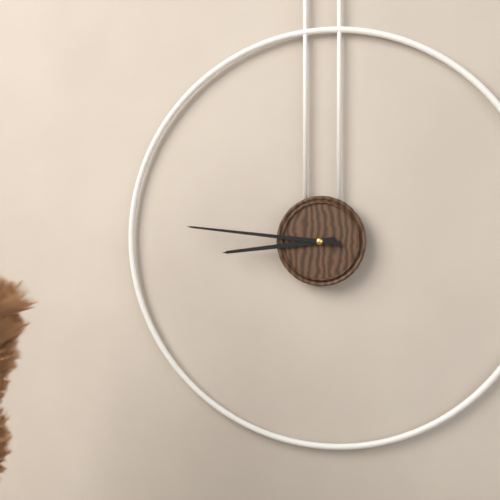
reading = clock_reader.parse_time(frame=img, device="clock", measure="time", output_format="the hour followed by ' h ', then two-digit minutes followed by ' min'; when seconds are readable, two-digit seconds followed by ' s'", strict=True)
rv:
8 h 46 min
